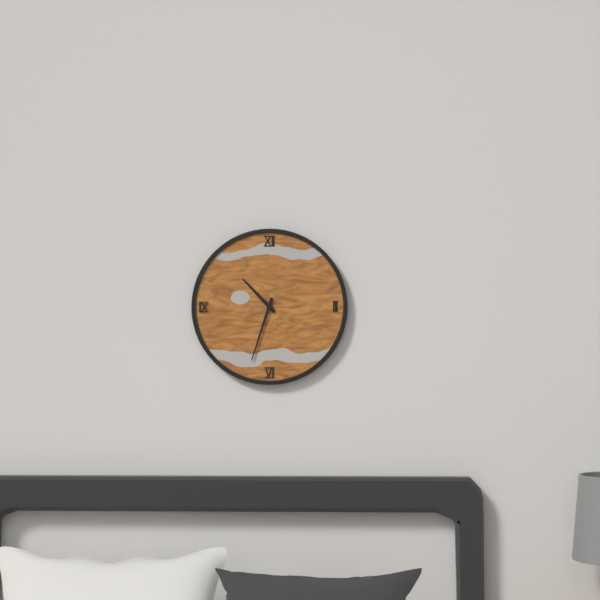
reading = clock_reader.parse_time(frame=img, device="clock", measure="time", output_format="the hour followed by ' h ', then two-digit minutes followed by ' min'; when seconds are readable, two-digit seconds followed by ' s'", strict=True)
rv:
10 h 33 min
